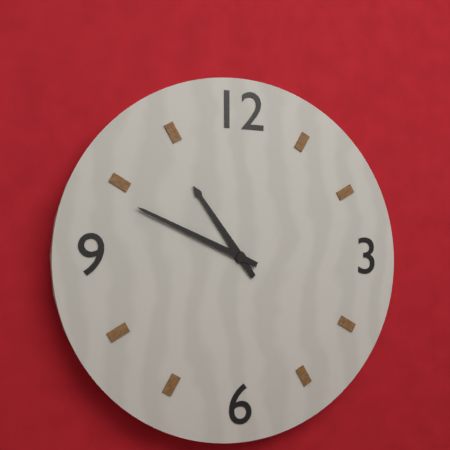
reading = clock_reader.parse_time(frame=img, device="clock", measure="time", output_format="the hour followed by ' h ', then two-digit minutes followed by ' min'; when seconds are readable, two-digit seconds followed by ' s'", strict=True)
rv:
10 h 49 min
